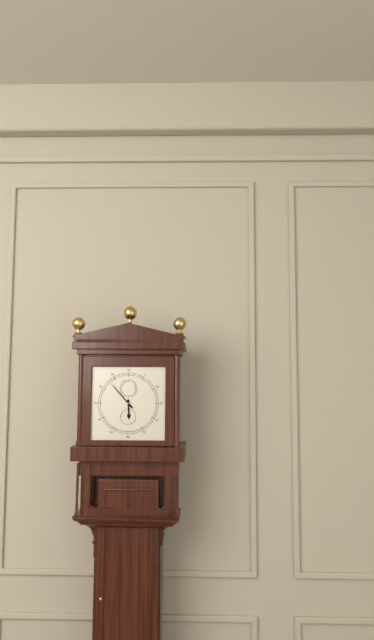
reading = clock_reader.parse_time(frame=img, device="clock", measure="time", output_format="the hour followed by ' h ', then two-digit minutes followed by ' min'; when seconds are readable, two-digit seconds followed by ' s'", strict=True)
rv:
5 h 53 min
